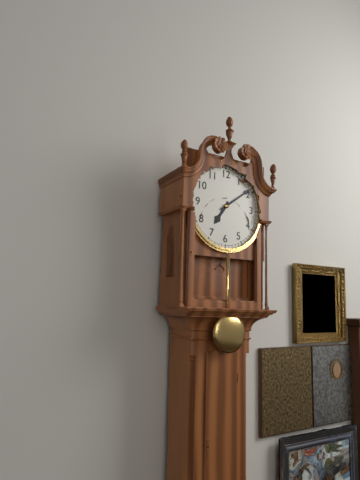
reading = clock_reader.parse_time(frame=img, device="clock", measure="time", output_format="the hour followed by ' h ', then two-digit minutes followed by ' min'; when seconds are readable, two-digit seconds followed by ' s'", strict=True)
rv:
7 h 09 min
